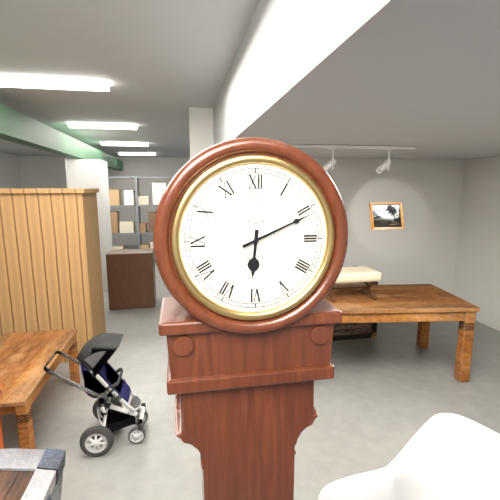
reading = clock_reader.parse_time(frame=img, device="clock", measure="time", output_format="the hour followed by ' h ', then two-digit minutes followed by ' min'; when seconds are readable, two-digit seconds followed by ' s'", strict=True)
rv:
6 h 11 min
